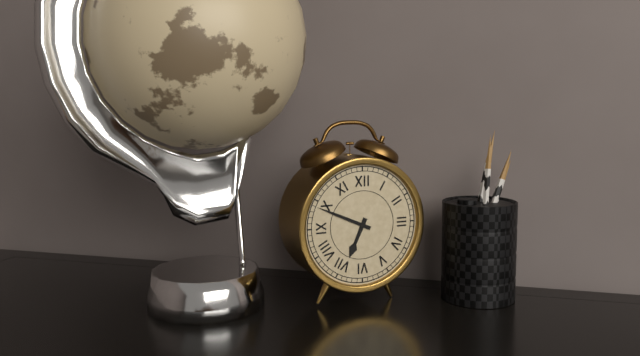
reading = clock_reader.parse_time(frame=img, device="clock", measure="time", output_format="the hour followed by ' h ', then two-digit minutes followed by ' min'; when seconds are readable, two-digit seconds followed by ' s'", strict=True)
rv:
6 h 49 min
